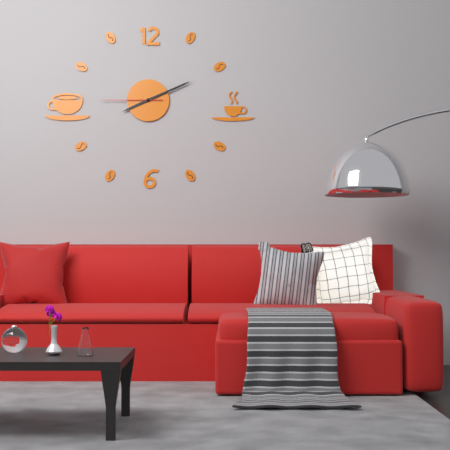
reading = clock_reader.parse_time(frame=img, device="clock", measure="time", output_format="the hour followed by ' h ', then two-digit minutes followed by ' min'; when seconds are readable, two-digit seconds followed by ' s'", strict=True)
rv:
8 h 11 min 45 s
